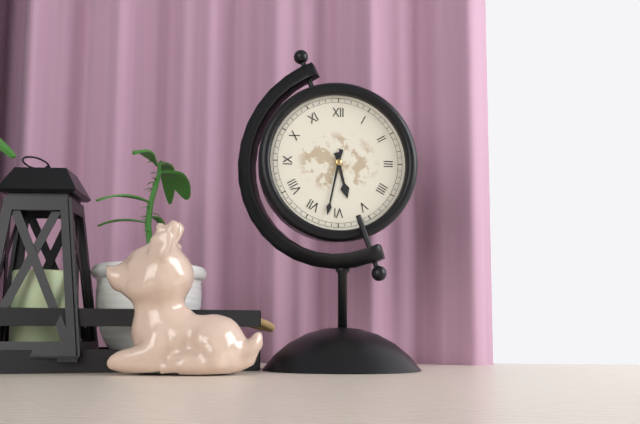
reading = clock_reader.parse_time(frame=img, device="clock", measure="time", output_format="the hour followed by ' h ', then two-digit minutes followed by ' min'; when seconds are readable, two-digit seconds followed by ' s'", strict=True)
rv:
5 h 32 min
